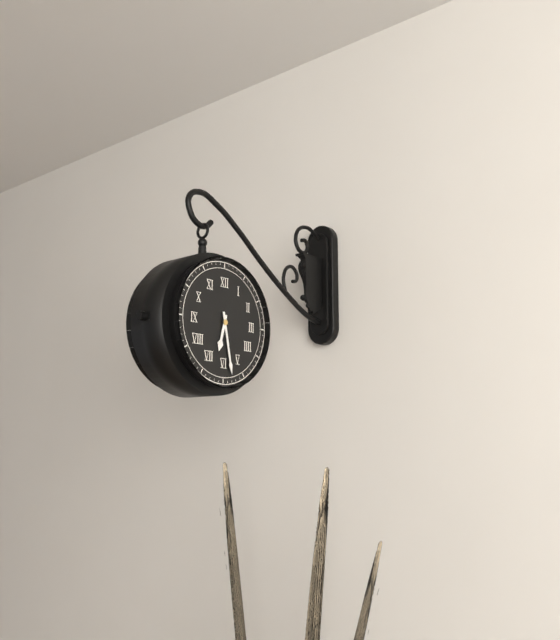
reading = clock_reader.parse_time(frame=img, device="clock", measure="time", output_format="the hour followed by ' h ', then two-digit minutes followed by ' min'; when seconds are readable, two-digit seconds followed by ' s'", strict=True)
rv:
6 h 28 min
